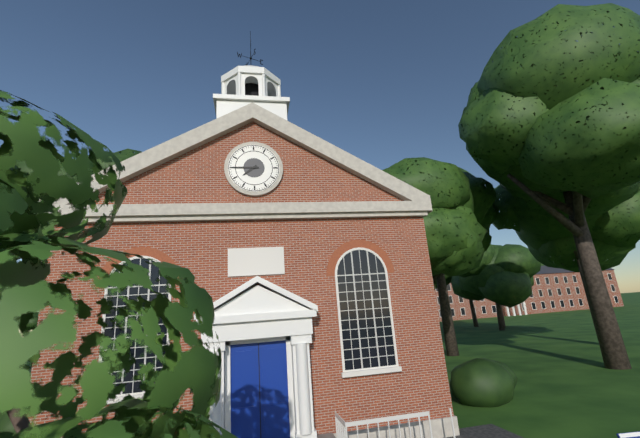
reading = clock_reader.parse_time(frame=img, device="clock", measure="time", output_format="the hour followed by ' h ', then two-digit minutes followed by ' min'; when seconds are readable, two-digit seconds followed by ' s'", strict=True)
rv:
7 h 45 min
